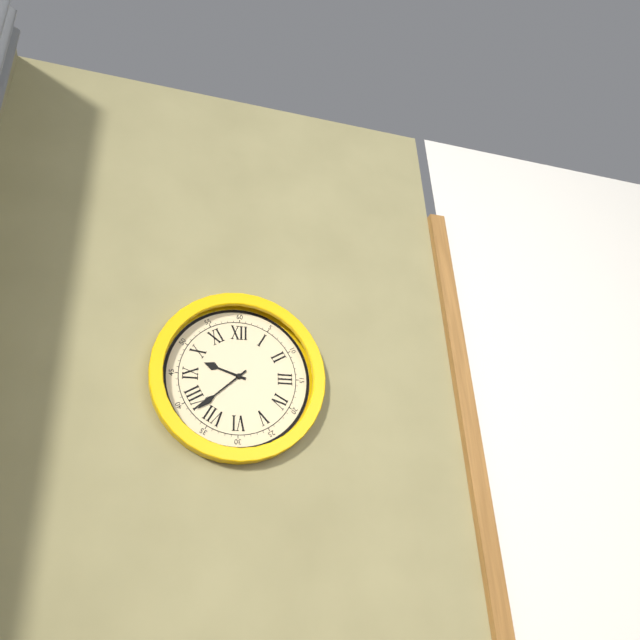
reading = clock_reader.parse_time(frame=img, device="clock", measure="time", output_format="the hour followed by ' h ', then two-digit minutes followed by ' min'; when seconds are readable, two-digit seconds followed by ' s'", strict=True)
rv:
9 h 38 min
